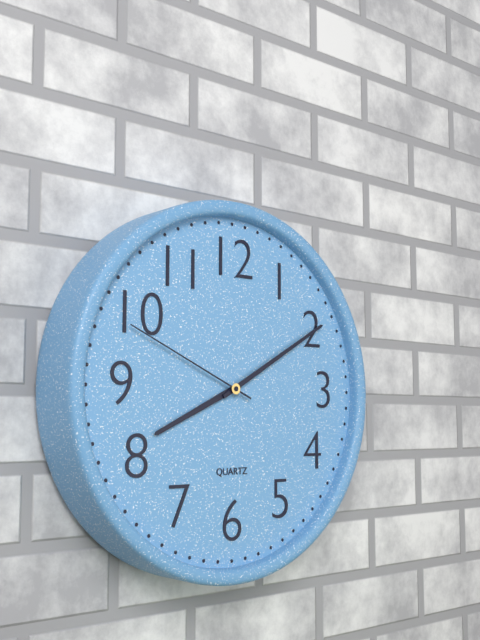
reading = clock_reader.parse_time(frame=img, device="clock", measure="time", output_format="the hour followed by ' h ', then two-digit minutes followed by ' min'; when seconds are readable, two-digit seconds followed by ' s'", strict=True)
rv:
8 h 10 min 49 s
